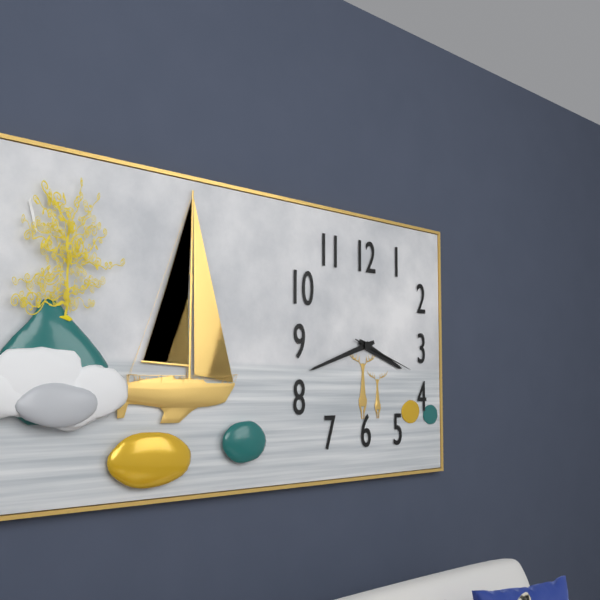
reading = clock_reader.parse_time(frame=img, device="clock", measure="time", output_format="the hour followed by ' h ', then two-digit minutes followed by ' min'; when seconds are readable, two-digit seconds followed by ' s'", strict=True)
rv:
3 h 42 min 18 s
